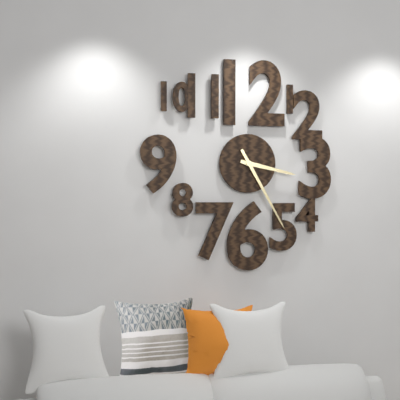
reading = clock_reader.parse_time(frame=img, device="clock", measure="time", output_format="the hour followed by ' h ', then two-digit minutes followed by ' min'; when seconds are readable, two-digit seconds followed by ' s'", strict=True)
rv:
3 h 25 min
